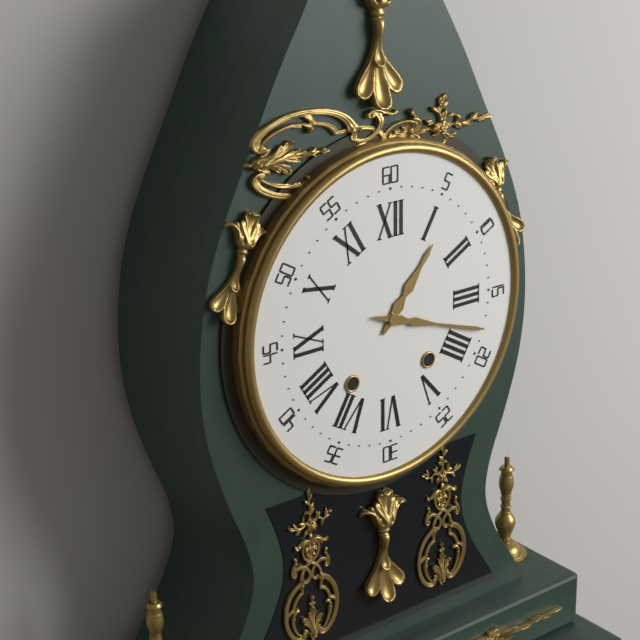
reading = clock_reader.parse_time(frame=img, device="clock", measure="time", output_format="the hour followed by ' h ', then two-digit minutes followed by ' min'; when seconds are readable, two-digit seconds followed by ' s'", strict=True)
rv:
1 h 18 min
